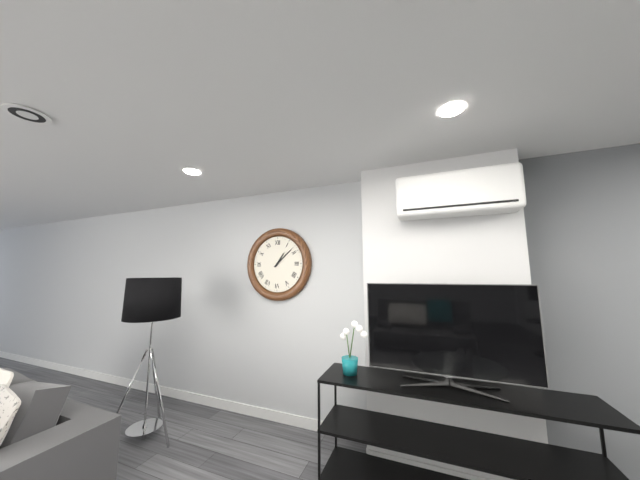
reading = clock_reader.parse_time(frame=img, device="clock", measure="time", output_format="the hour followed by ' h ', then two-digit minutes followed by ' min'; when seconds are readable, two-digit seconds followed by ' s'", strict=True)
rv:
1 h 08 min
